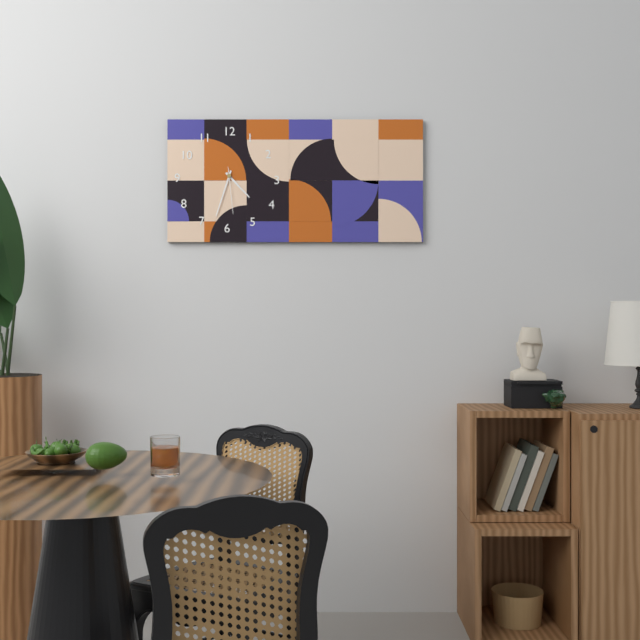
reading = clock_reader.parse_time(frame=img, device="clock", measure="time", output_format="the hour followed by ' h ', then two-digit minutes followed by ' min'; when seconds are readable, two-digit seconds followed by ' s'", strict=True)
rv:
4 h 33 min
